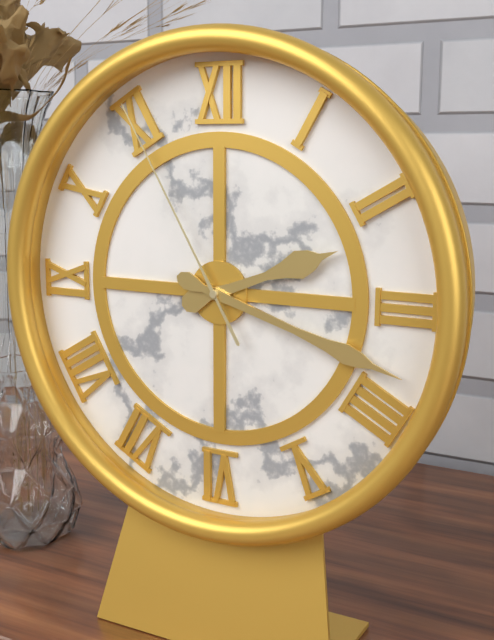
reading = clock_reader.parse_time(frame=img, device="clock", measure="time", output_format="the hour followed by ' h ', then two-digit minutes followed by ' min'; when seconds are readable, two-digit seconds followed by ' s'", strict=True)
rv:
2 h 18 min 55 s
